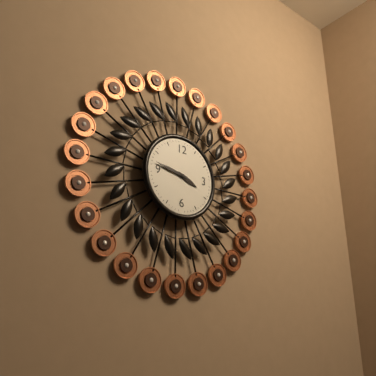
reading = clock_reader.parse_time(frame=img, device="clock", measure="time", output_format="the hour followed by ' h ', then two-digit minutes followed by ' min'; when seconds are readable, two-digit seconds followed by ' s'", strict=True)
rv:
3 h 47 min
